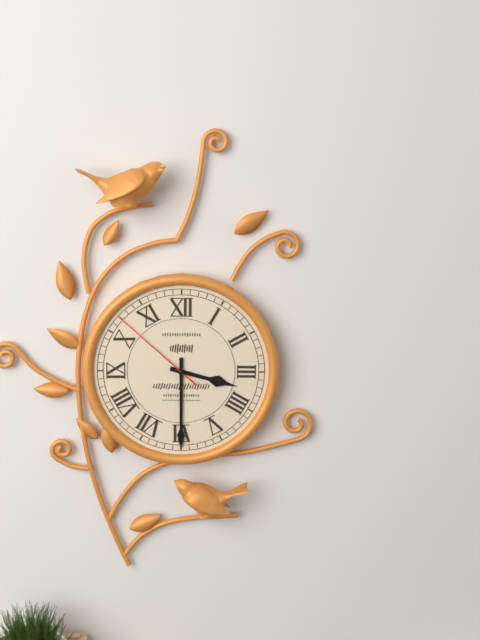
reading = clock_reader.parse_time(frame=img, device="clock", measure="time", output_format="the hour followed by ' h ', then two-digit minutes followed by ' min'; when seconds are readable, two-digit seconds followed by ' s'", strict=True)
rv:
3 h 30 min 52 s
